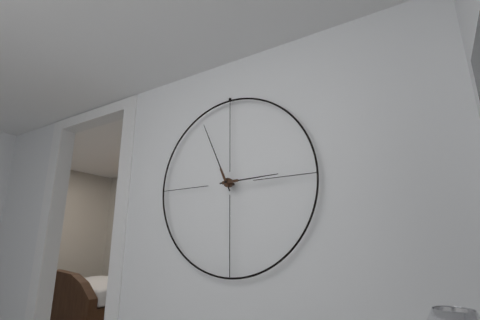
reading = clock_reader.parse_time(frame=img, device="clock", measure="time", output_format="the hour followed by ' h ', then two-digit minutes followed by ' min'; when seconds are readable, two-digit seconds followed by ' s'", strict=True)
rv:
2 h 56 min
